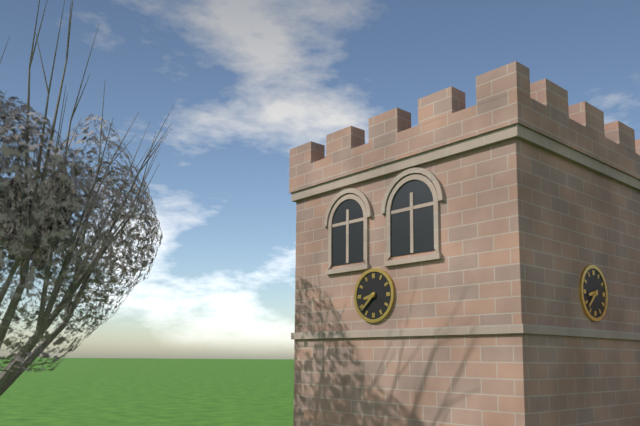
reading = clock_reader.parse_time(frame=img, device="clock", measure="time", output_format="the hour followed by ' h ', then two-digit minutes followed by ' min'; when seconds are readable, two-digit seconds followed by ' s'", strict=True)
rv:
8 h 38 min
